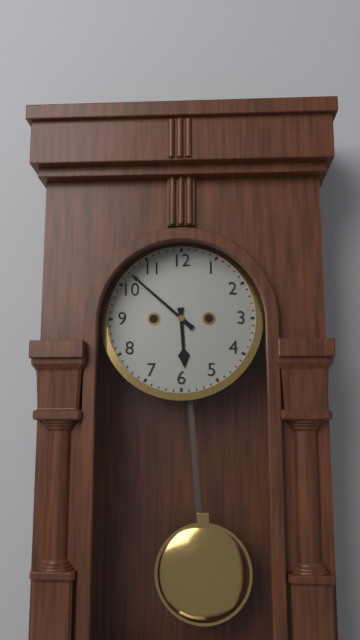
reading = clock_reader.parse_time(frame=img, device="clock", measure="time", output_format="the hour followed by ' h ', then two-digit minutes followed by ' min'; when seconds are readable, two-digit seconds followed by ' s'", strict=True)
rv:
5 h 52 min
